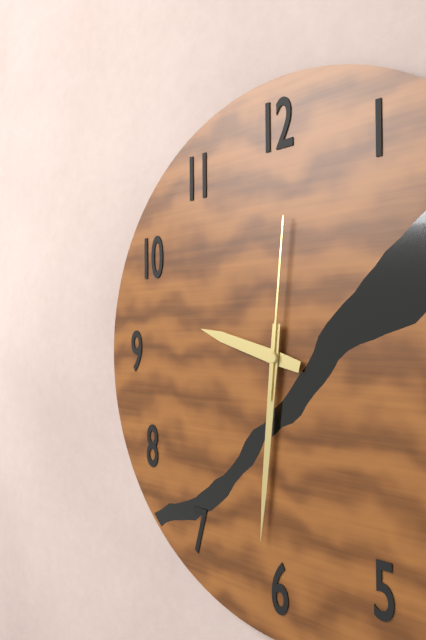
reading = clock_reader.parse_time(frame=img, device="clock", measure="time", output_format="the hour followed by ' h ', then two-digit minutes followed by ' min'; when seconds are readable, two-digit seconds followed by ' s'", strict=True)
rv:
9 h 31 min 01 s
